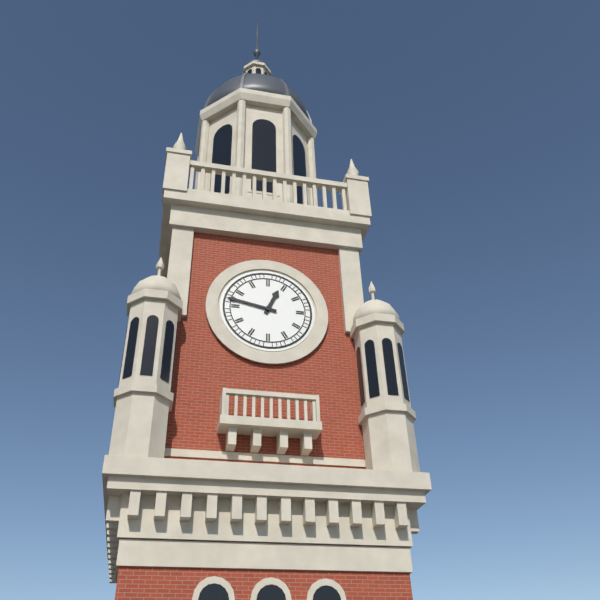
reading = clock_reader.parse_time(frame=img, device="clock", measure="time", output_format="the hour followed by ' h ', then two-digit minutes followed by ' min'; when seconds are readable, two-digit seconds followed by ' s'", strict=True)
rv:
12 h 47 min
